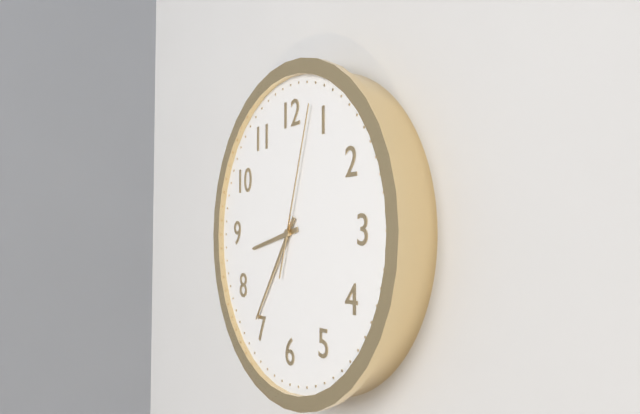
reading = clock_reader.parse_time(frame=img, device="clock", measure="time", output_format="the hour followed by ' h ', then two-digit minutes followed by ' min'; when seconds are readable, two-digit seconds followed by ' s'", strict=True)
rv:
8 h 36 min 03 s
